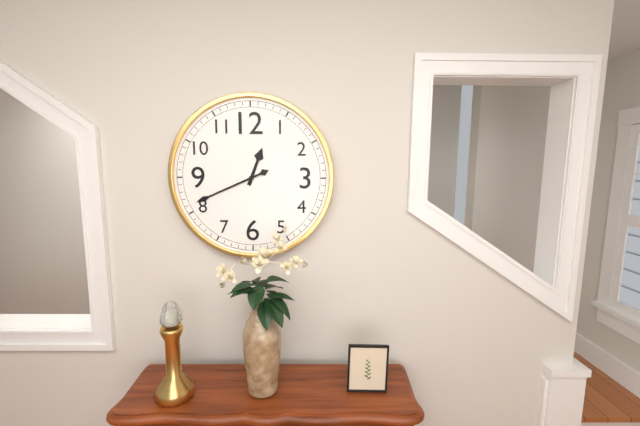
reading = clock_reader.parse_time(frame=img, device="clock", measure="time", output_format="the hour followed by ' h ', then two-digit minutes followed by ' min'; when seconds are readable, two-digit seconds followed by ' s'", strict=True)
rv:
12 h 41 min
